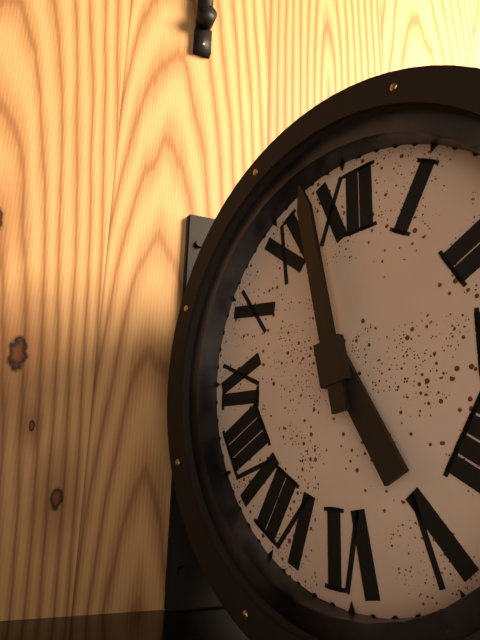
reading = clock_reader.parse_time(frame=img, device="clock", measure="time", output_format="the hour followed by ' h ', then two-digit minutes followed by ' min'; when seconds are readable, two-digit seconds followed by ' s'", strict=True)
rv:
4 h 58 min
